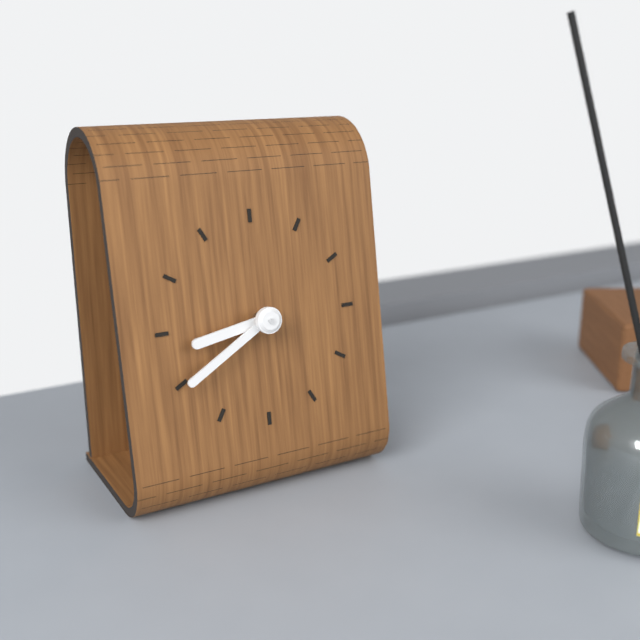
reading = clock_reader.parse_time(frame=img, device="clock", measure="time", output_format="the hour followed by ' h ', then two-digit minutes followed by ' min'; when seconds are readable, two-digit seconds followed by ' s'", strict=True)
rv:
8 h 40 min
